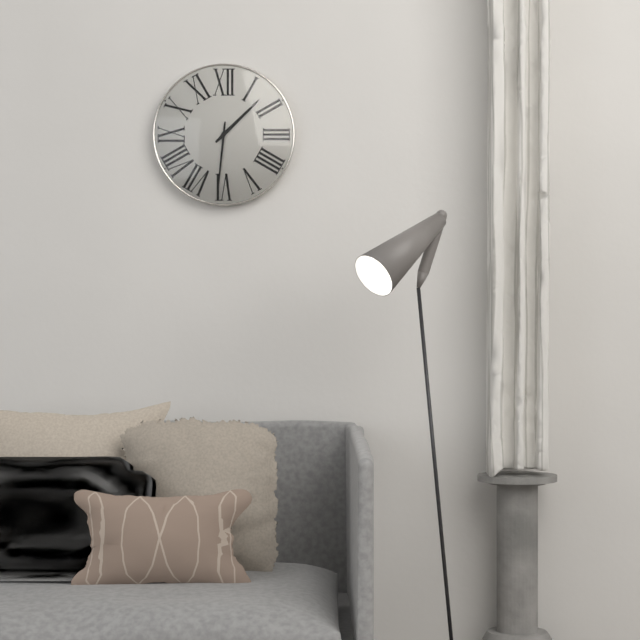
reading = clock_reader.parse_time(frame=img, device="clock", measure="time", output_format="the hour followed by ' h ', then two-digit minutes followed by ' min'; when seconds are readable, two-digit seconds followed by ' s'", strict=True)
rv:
1 h 31 min
